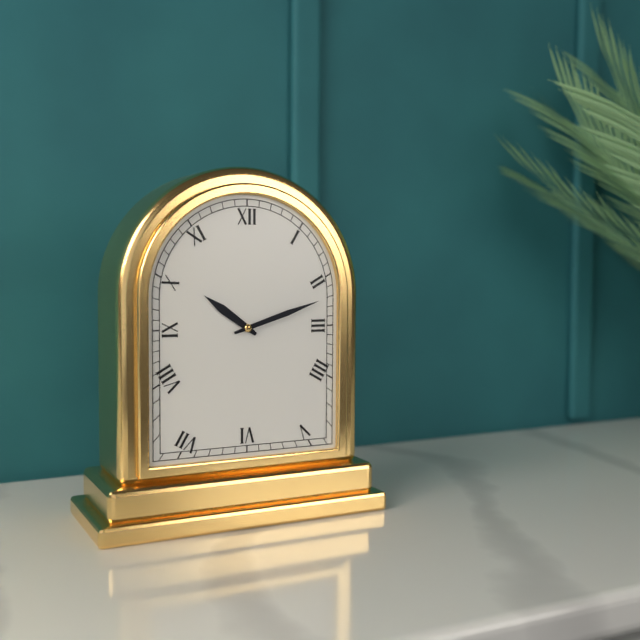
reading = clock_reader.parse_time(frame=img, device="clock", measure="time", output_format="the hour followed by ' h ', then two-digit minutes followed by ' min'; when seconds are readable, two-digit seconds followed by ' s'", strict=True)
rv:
10 h 12 min
